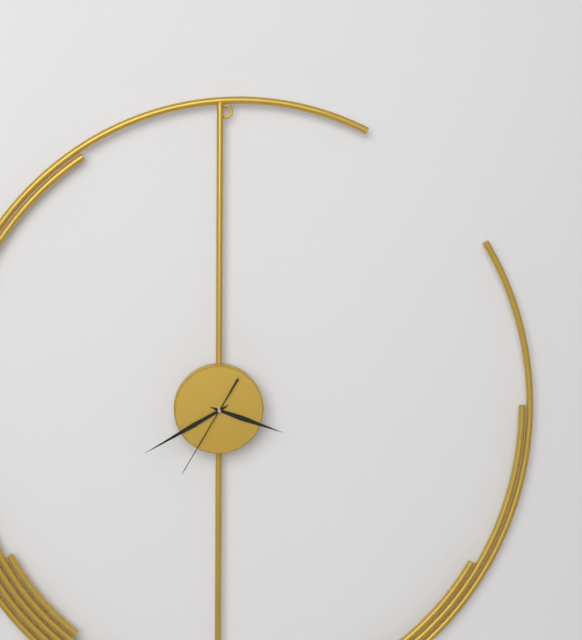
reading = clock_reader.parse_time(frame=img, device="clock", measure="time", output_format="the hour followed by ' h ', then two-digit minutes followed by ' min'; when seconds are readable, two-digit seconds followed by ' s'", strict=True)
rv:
3 h 40 min 35 s
